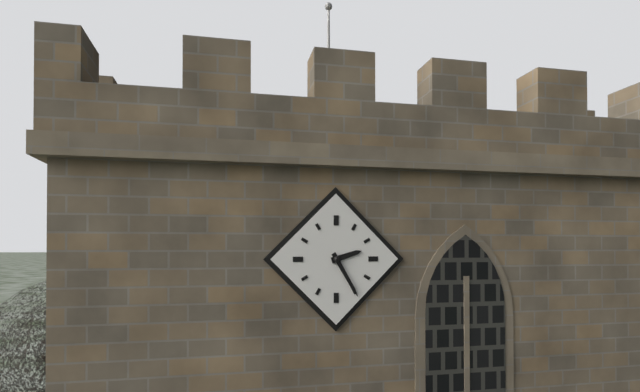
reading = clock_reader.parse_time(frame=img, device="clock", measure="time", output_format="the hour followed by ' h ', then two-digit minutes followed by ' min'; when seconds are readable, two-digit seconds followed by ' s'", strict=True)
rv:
2 h 25 min
